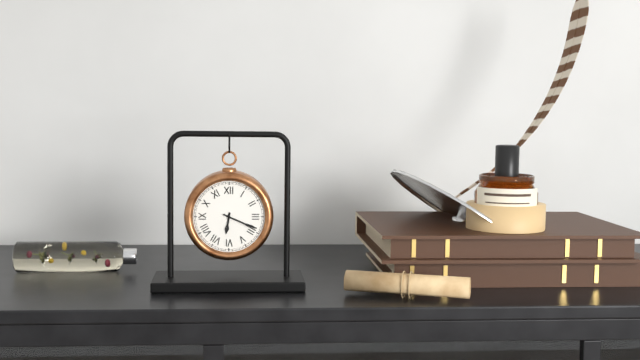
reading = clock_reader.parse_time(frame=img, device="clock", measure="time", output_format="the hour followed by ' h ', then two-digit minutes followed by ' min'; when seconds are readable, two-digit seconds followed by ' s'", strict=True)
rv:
6 h 19 min
